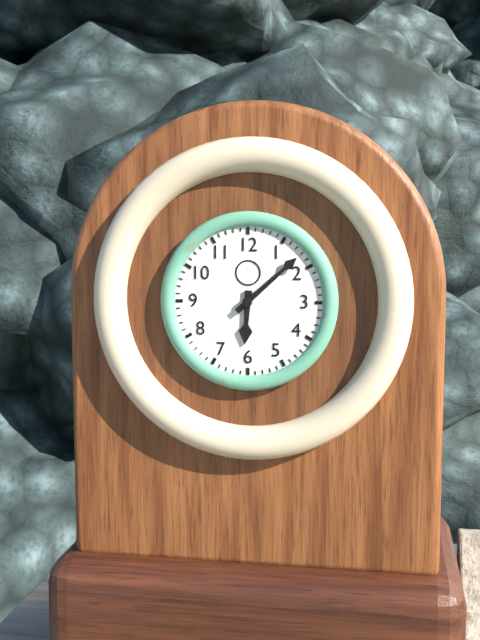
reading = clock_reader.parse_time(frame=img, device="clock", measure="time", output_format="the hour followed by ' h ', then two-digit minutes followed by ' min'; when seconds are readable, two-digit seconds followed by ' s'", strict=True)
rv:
6 h 08 min
